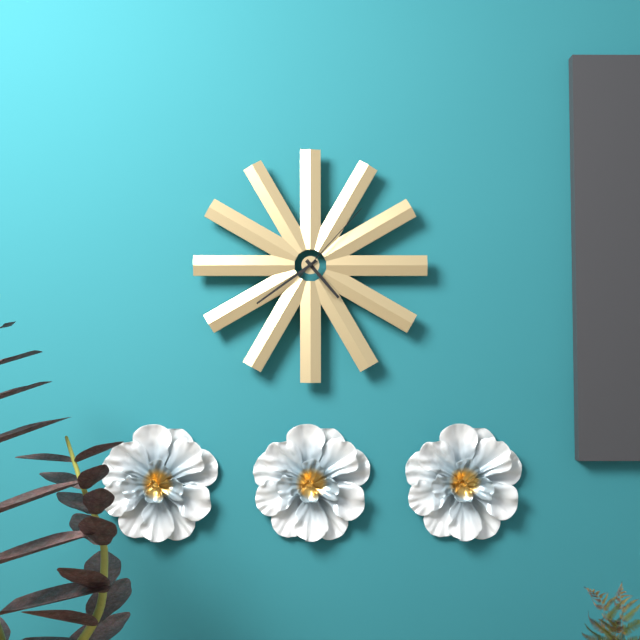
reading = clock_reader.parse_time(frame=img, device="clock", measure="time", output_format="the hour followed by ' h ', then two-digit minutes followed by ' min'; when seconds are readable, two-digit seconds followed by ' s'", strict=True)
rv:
4 h 39 min 07 s
